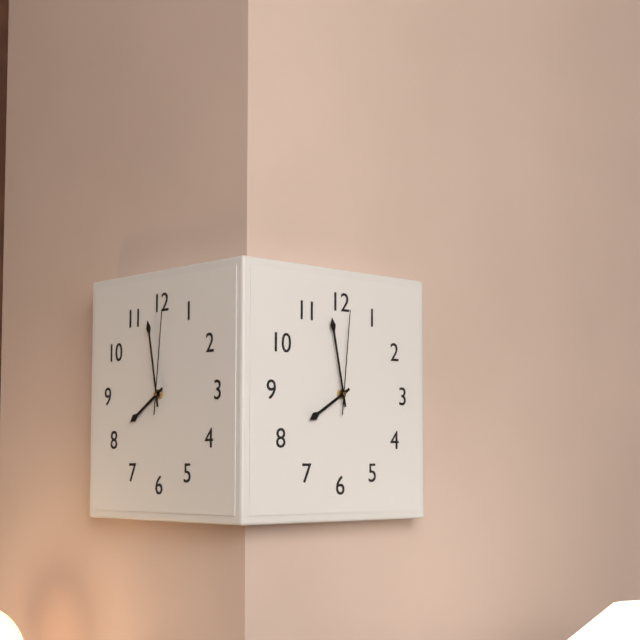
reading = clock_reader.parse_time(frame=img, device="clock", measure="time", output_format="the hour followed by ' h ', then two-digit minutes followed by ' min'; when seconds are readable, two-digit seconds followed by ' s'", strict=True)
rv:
7 h 58 min 01 s
